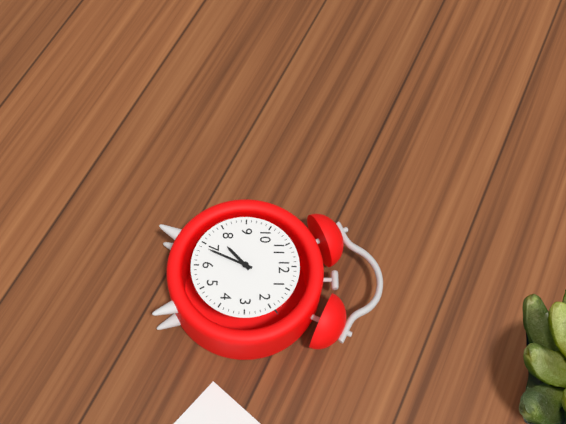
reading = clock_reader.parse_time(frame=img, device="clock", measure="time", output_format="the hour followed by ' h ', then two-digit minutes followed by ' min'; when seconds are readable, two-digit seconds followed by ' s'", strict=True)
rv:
7 h 34 min
